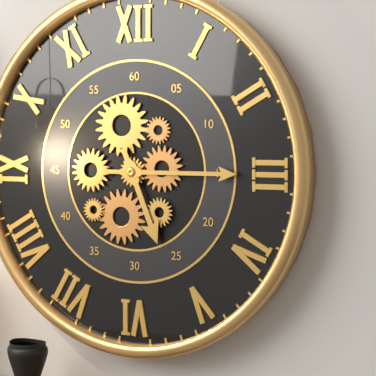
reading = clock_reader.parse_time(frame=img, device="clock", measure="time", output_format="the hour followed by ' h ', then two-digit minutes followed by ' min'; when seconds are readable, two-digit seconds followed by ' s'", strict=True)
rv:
5 h 15 min
